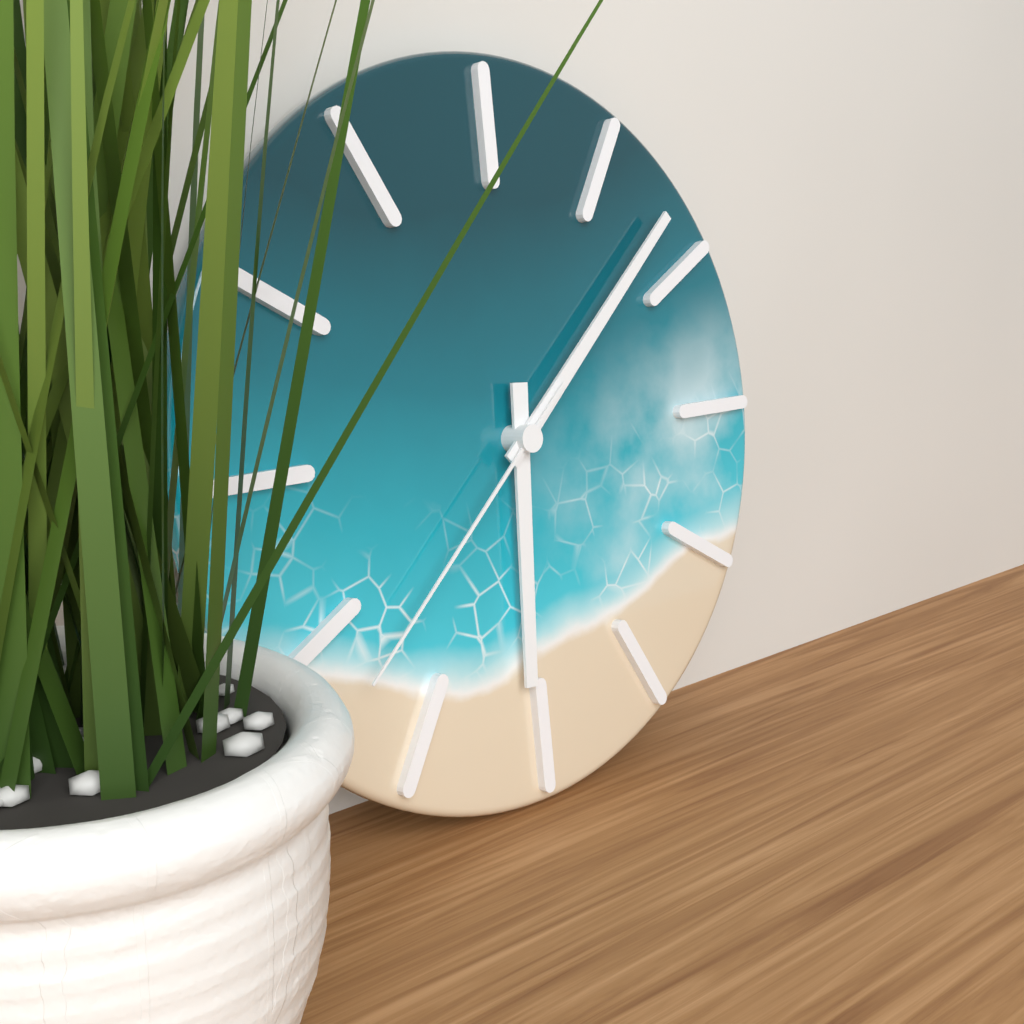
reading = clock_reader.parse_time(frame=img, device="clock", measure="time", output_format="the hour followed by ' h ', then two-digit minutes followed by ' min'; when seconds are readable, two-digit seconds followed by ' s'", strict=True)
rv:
6 h 08 min 38 s
